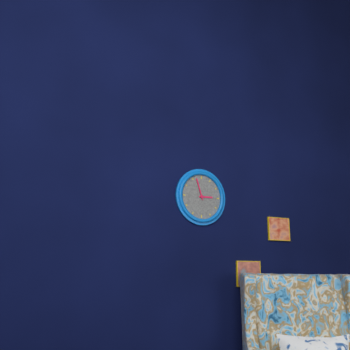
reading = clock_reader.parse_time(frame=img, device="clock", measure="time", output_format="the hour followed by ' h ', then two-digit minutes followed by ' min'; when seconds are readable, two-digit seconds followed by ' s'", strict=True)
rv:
2 h 57 min
